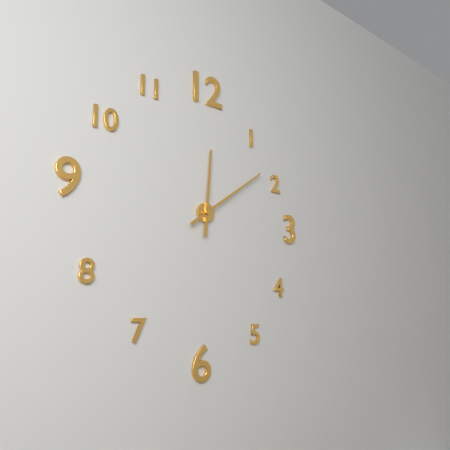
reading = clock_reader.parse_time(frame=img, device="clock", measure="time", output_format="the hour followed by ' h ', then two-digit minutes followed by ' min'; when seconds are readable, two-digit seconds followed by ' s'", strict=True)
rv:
12 h 09 min
